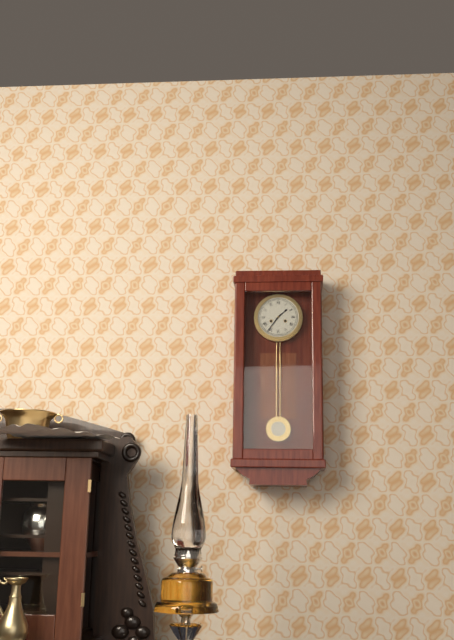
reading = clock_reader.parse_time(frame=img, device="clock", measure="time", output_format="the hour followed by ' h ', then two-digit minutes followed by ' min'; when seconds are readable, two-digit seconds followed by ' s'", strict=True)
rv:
1 h 36 min
